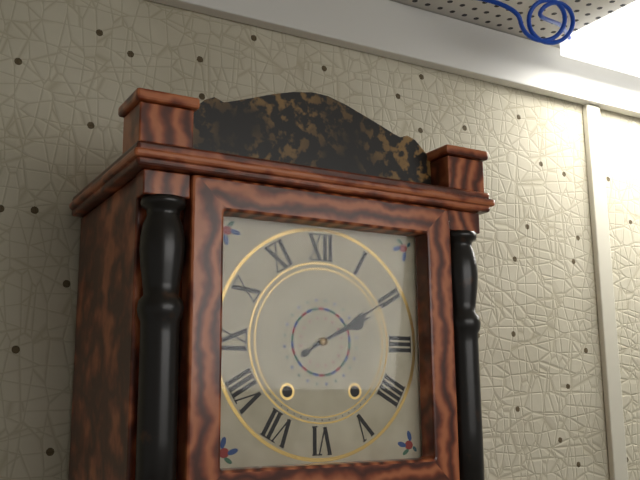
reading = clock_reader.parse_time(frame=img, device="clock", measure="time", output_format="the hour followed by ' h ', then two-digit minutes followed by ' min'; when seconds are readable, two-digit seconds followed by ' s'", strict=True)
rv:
2 h 10 min
